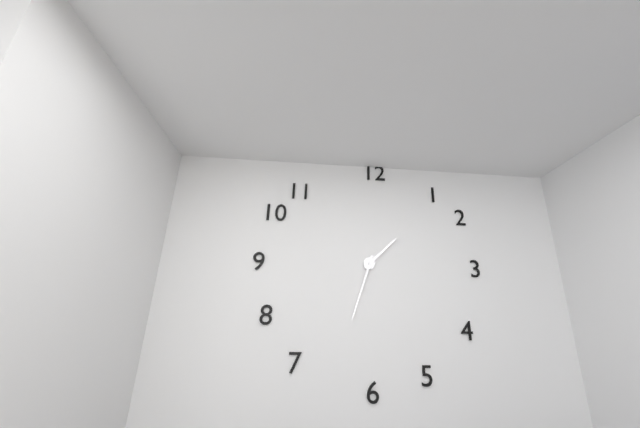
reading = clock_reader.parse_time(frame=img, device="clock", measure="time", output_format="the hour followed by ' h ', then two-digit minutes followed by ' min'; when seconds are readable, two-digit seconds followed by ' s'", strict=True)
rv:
1 h 33 min
